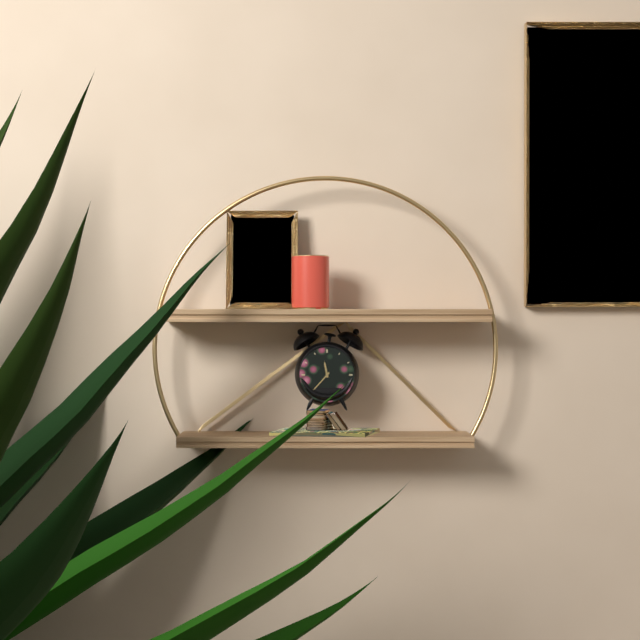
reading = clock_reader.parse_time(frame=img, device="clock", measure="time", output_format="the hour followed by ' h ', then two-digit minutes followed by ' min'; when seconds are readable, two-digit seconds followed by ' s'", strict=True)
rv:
11 h 37 min
